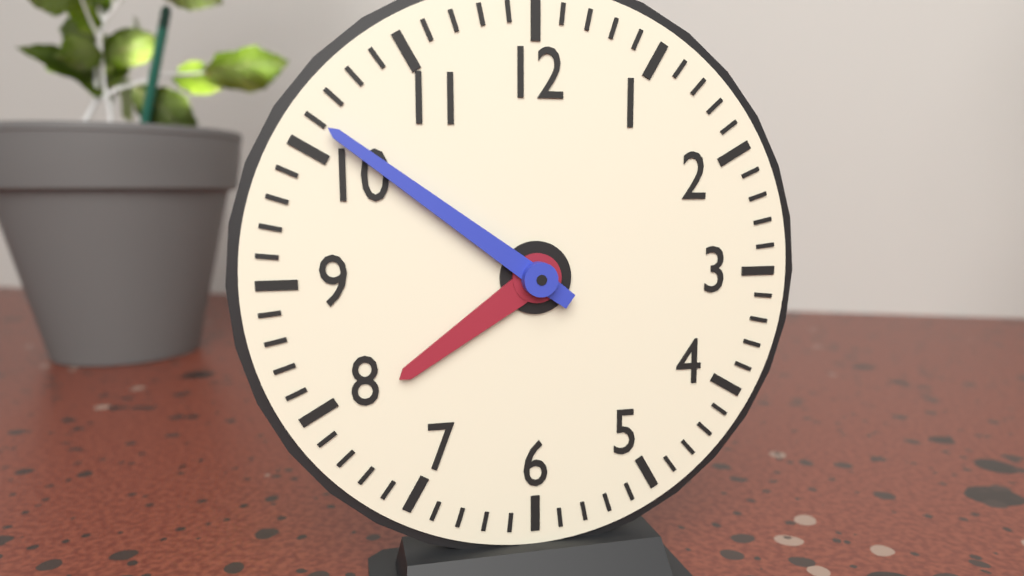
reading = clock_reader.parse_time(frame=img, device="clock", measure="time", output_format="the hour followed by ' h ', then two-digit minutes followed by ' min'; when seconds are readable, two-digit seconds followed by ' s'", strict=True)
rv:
7 h 51 min
